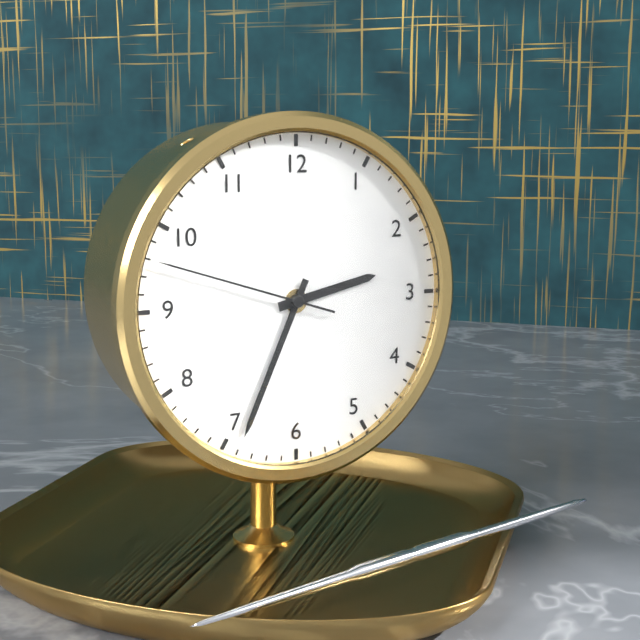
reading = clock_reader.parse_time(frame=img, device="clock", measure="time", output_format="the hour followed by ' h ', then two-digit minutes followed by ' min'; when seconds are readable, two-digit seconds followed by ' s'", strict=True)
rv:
2 h 34 min 48 s
